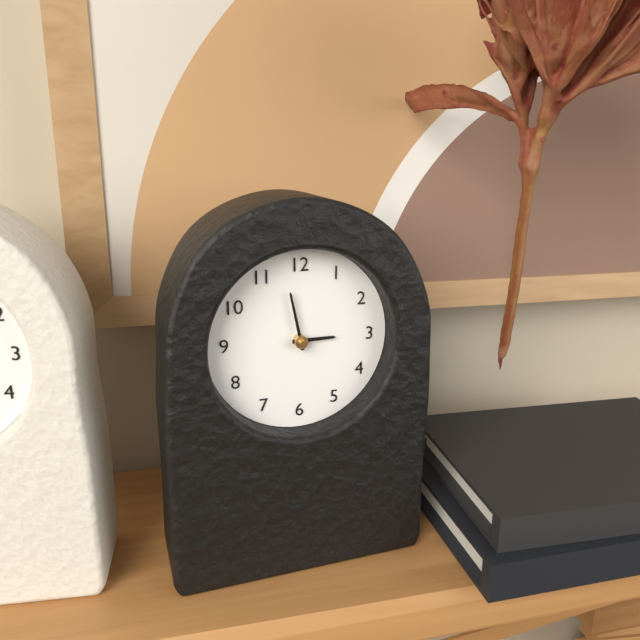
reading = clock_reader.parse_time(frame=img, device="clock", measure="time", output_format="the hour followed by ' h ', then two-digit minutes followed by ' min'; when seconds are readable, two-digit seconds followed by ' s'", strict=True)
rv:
2 h 58 min
